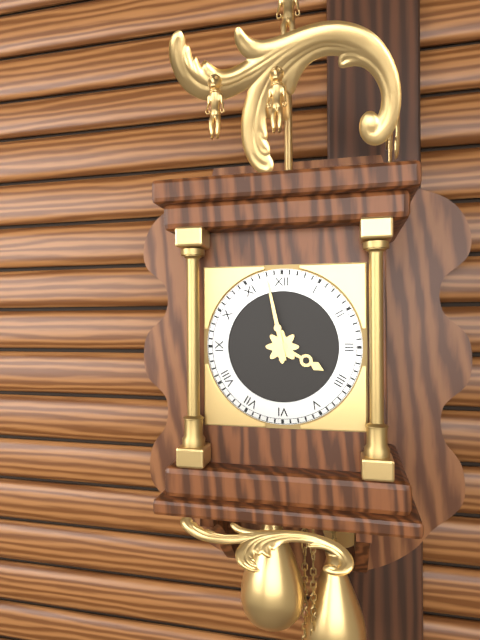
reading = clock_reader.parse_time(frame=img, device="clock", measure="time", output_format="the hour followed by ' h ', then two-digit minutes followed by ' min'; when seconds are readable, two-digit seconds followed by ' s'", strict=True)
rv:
3 h 58 min
